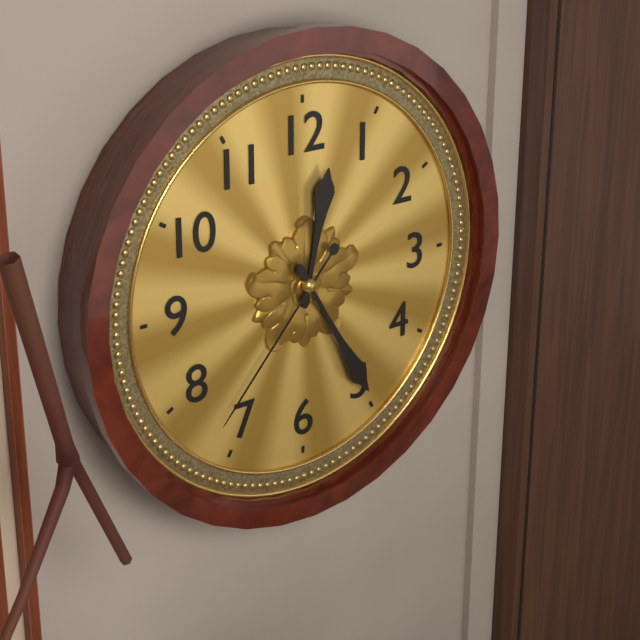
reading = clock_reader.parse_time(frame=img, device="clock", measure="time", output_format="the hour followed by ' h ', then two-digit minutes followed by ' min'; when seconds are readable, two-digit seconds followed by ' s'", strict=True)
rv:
12 h 25 min 37 s
